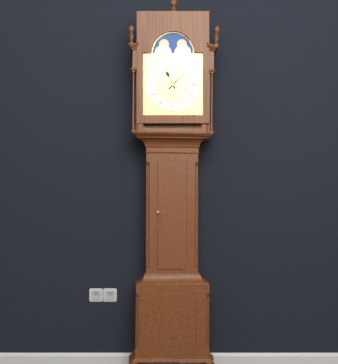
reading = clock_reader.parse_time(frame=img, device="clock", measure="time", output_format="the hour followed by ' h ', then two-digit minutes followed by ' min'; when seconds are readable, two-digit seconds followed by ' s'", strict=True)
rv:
11 h 07 min
